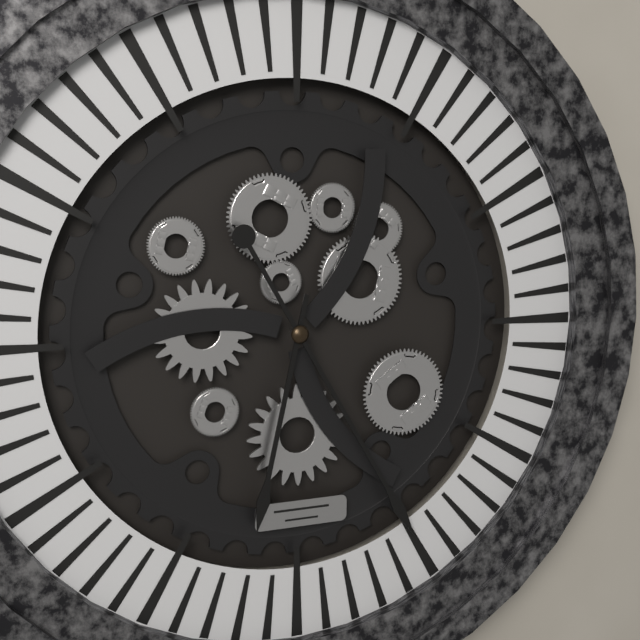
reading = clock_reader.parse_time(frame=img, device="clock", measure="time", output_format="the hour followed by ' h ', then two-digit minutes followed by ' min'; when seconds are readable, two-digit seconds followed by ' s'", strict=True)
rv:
6 h 25 min
